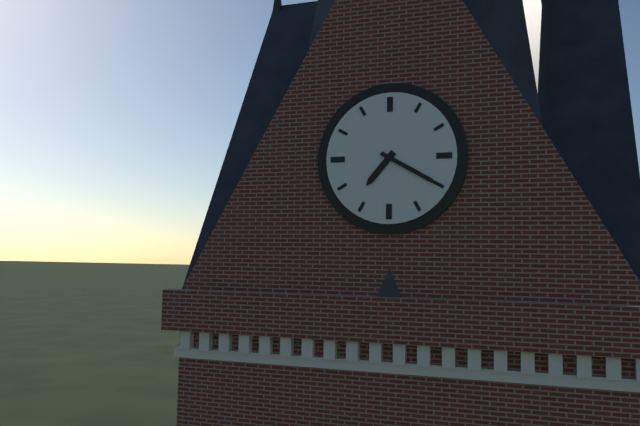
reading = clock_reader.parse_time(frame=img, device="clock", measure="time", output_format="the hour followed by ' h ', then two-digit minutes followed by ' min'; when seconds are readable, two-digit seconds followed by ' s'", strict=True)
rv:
7 h 20 min
